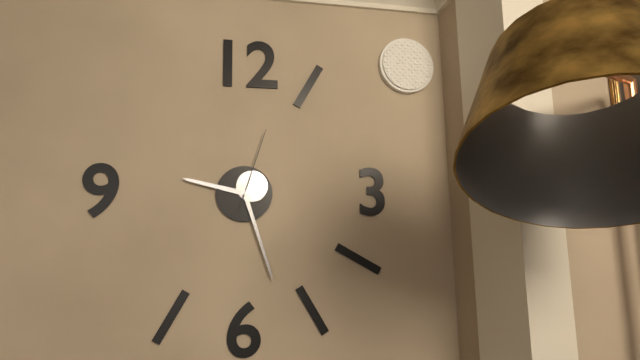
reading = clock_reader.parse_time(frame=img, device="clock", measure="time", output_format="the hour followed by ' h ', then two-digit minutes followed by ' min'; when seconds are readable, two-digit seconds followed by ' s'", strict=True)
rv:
9 h 27 min 03 s
